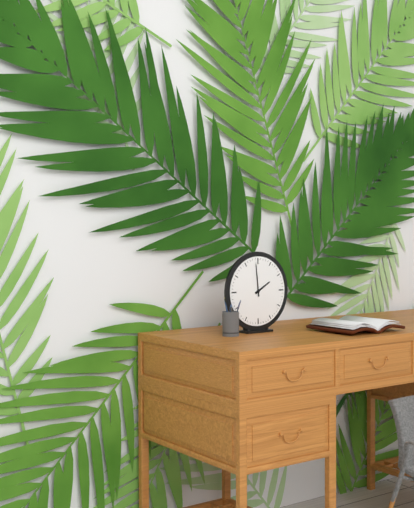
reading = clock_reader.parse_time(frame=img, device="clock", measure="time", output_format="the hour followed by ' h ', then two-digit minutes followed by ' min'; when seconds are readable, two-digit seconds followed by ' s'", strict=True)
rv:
1 h 59 min
